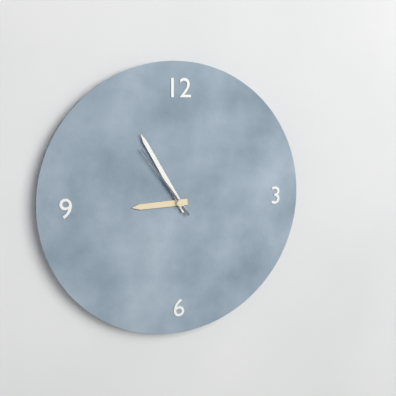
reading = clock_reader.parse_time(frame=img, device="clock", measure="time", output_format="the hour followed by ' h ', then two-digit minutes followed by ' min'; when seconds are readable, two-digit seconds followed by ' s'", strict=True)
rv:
8 h 55 min 54 s
